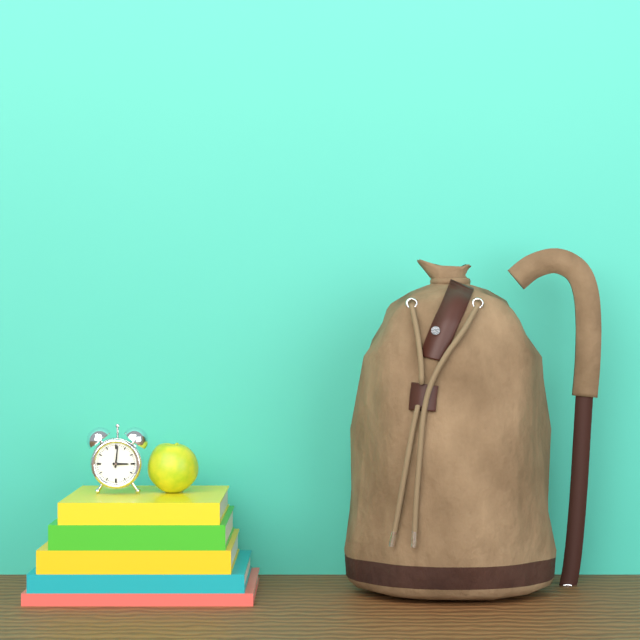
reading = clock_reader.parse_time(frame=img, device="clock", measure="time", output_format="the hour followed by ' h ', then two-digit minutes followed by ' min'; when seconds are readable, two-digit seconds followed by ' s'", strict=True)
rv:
3 h 01 min
